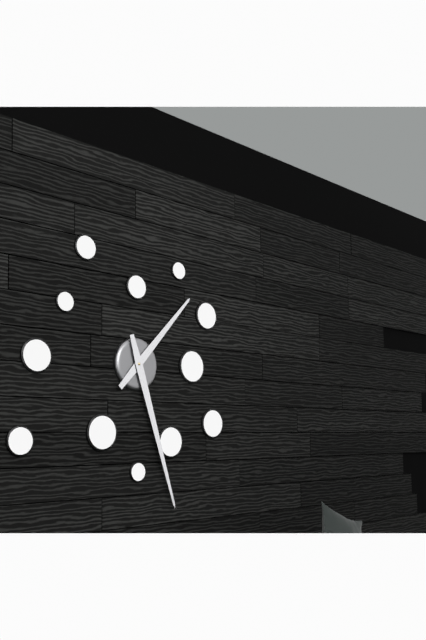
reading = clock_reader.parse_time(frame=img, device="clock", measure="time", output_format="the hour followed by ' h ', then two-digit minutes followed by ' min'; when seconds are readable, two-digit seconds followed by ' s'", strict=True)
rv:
1 h 27 min
